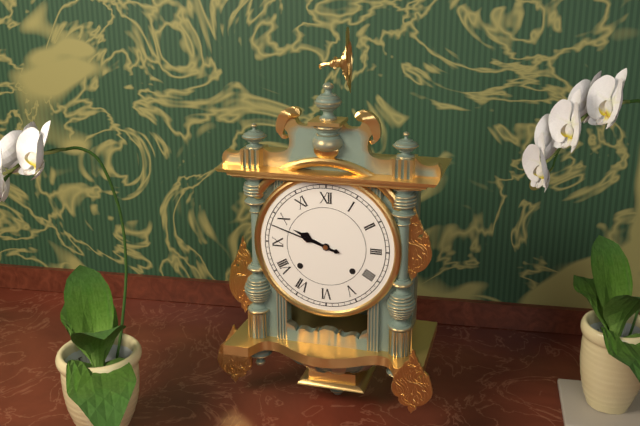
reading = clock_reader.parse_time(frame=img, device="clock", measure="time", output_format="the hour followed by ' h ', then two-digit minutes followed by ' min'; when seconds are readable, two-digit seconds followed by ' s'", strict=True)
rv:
9 h 48 min
